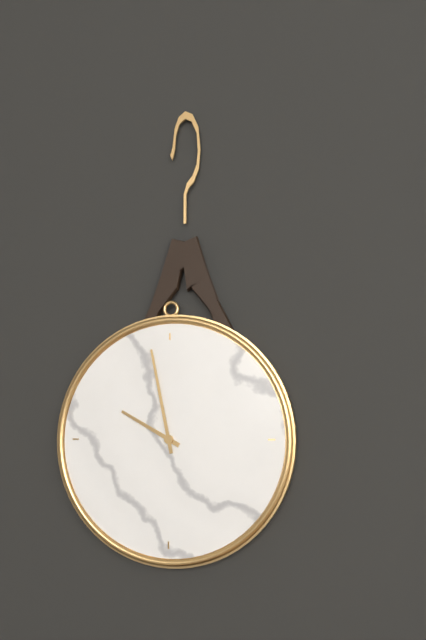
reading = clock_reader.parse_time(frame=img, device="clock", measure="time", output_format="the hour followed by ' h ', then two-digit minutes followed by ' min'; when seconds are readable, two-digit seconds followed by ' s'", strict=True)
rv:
9 h 58 min
